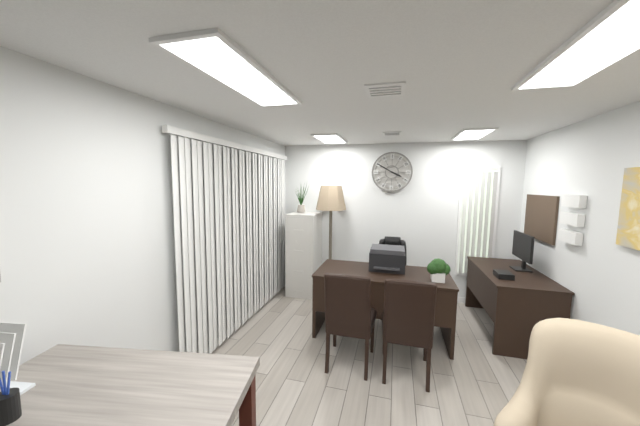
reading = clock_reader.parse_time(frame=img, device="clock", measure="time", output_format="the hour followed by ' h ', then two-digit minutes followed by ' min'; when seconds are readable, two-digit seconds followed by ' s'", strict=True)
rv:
3 h 50 min
